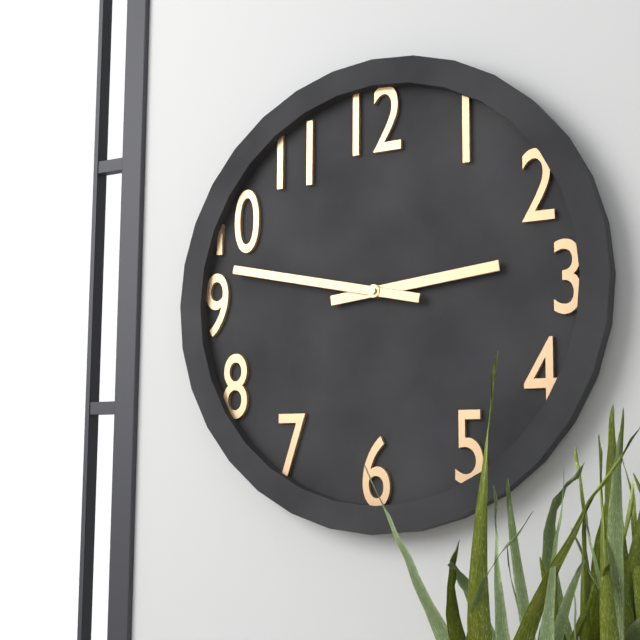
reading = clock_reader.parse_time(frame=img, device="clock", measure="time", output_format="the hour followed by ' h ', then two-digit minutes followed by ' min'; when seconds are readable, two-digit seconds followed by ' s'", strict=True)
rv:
2 h 47 min
